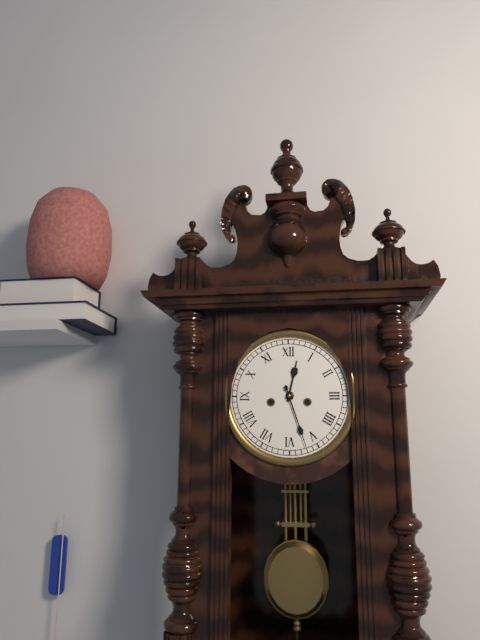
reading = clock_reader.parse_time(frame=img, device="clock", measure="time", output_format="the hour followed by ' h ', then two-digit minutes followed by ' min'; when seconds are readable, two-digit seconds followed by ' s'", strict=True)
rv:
12 h 27 min
